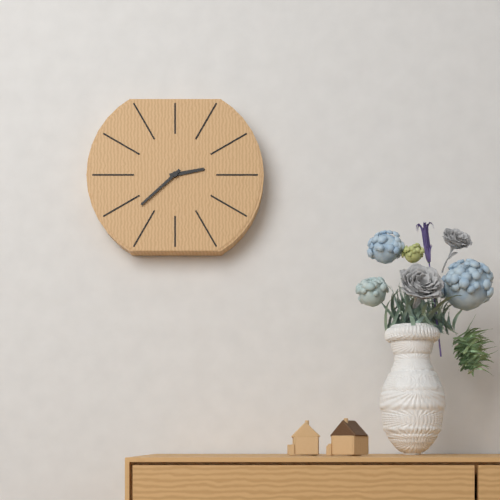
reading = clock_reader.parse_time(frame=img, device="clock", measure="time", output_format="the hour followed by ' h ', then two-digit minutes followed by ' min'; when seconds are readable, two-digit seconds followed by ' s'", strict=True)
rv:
2 h 38 min
